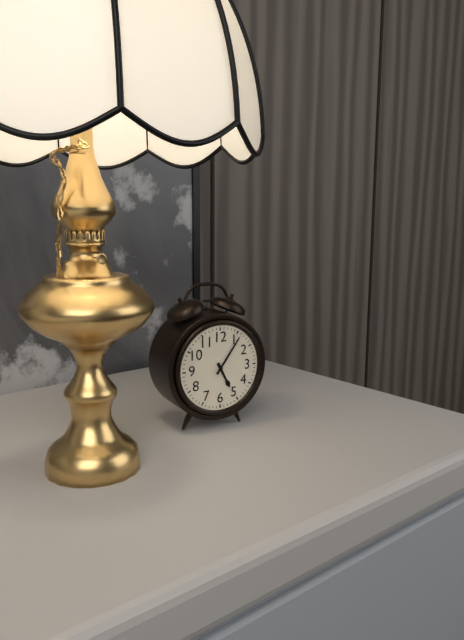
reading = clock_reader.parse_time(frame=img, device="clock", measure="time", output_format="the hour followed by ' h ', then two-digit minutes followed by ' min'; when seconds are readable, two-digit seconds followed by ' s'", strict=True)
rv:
5 h 06 min
